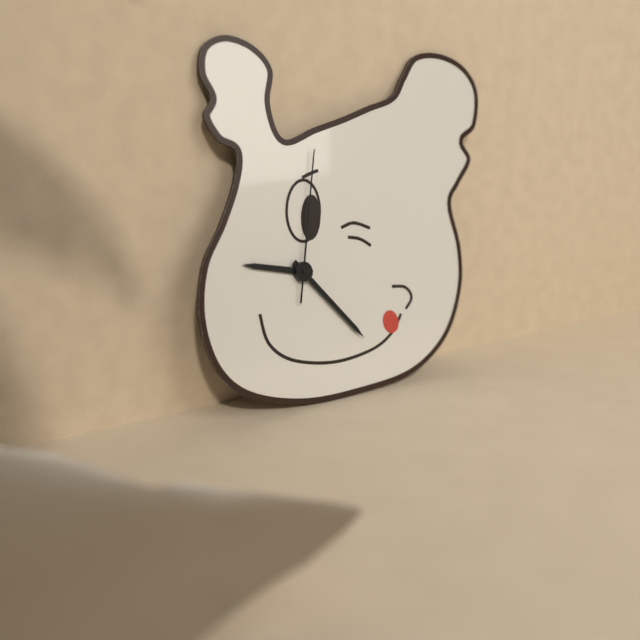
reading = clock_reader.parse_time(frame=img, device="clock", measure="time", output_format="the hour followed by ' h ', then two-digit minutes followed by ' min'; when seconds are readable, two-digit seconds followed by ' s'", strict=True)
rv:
9 h 23 min 02 s
